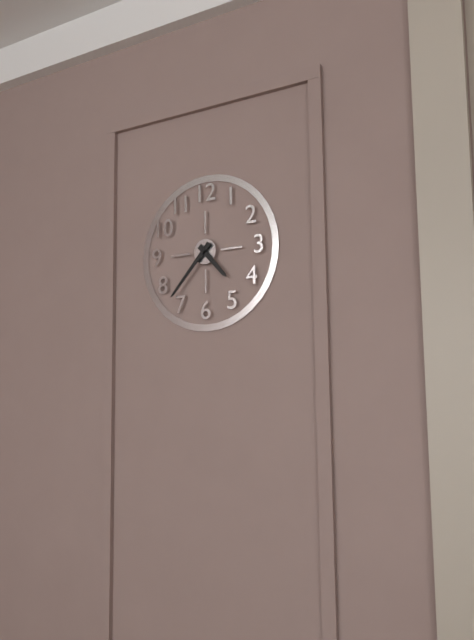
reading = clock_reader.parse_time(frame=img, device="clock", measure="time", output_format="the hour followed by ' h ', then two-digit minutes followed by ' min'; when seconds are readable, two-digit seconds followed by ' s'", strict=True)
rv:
4 h 37 min
